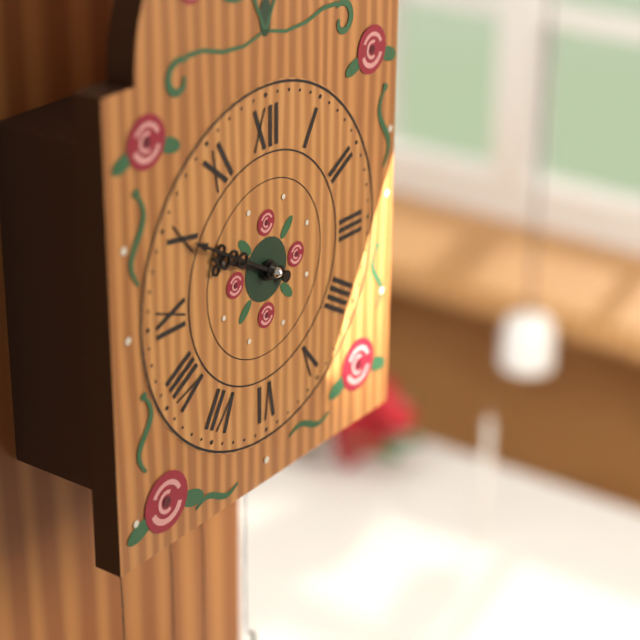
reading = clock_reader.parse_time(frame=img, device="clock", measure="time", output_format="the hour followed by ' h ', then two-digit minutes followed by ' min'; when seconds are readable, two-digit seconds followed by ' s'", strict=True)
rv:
9 h 50 min
